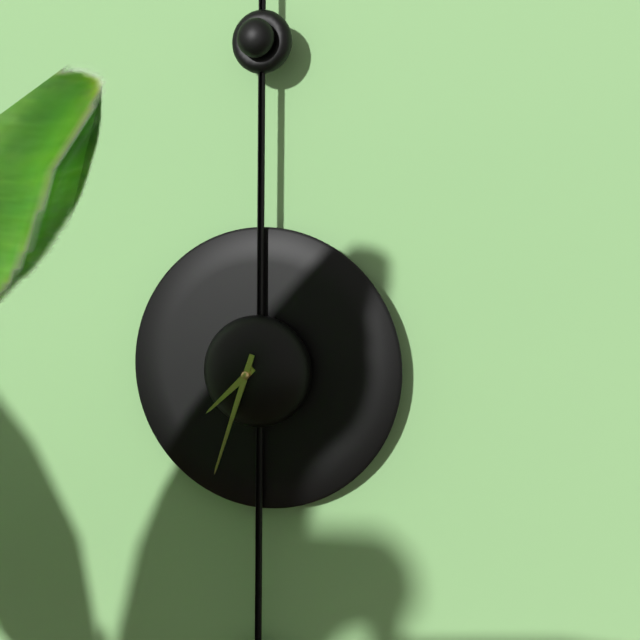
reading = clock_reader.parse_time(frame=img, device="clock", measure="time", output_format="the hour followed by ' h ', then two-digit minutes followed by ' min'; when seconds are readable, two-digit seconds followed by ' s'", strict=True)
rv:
7 h 33 min
